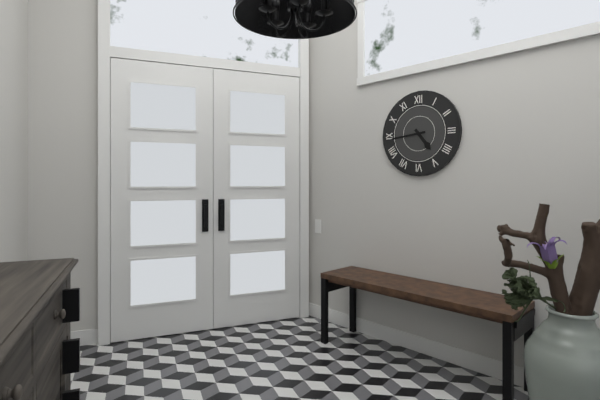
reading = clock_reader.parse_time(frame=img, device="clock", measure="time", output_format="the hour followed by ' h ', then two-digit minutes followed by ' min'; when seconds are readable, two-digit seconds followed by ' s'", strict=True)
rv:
4 h 44 min
